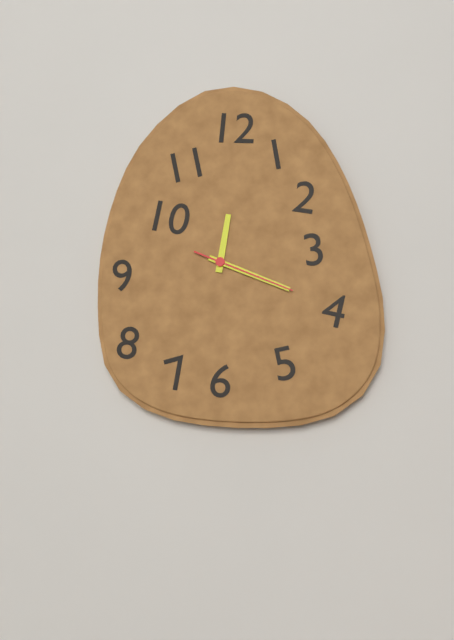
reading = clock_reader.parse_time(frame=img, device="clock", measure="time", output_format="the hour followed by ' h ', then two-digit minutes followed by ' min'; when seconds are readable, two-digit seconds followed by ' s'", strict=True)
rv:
12 h 19 min 19 s
